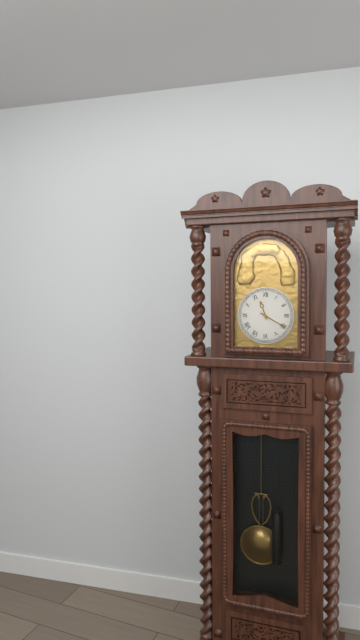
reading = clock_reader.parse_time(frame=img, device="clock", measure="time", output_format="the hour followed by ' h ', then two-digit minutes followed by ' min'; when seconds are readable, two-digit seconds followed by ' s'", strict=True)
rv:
11 h 20 min
